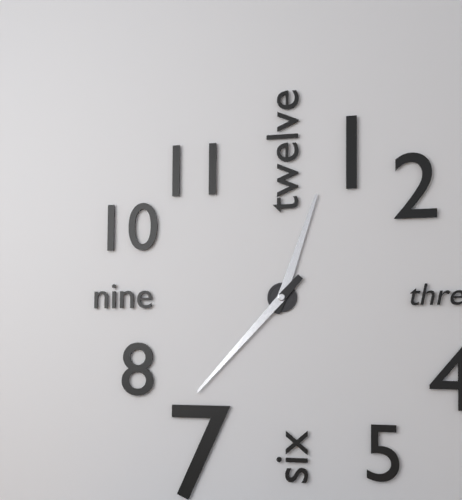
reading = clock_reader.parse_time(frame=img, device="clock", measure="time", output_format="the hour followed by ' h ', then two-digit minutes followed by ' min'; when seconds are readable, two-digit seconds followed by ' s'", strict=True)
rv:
12 h 37 min
